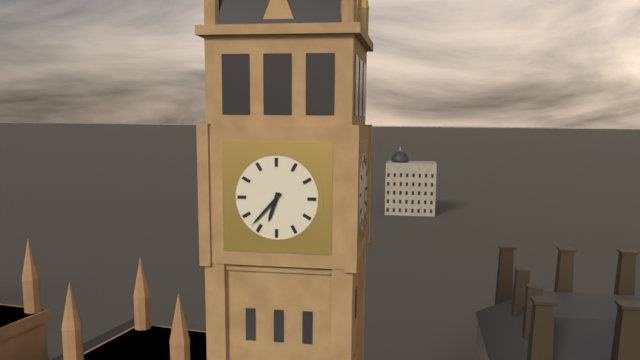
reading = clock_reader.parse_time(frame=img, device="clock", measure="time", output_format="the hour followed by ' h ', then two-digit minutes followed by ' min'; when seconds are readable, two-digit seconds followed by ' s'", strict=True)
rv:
6 h 37 min
